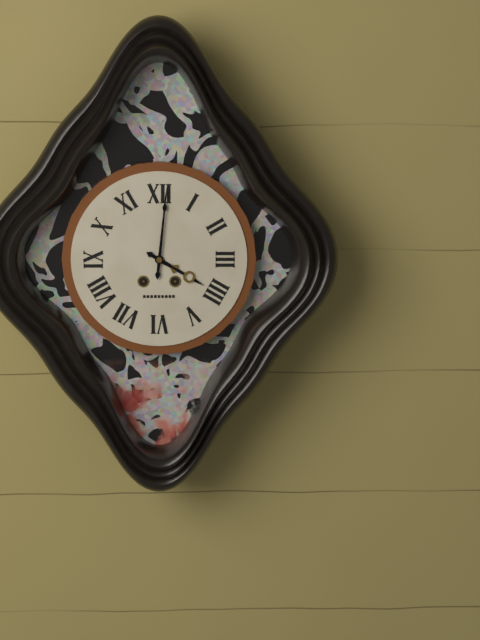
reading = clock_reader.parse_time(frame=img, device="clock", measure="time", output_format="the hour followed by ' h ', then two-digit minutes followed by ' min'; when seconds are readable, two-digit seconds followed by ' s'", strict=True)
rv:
4 h 01 min
